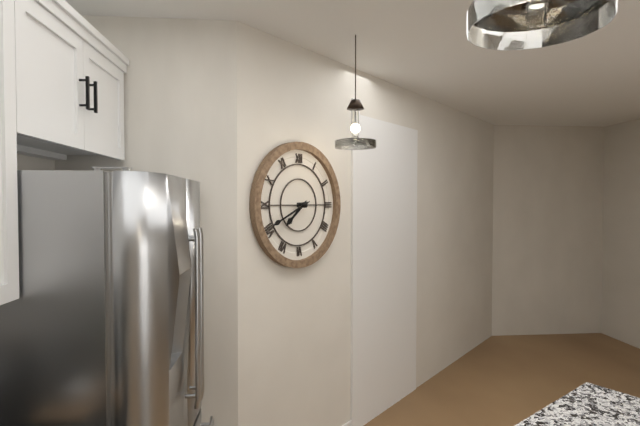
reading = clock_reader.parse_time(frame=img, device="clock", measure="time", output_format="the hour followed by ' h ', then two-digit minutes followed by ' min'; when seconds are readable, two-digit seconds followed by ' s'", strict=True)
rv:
7 h 41 min
